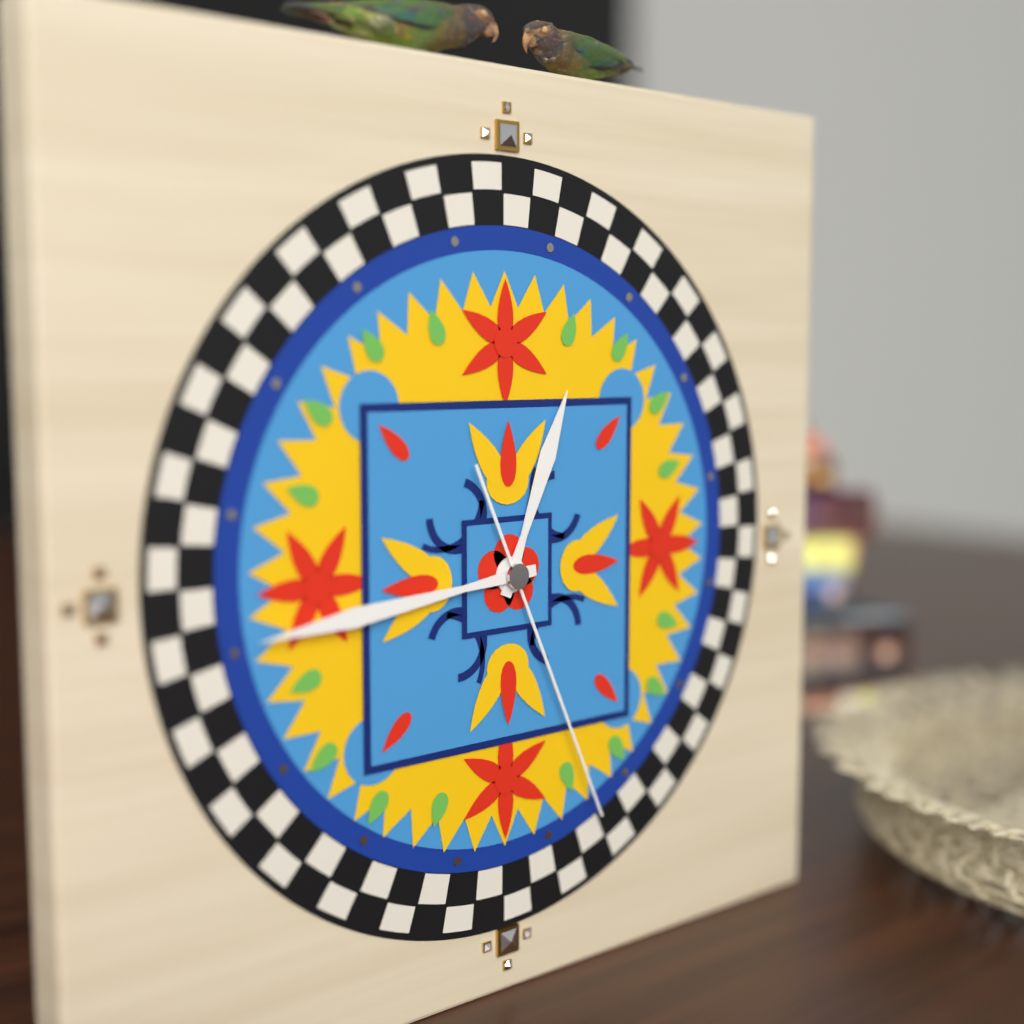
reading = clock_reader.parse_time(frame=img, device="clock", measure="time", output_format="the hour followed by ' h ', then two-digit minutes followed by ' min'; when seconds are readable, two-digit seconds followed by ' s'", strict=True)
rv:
12 h 44 min 26 s
